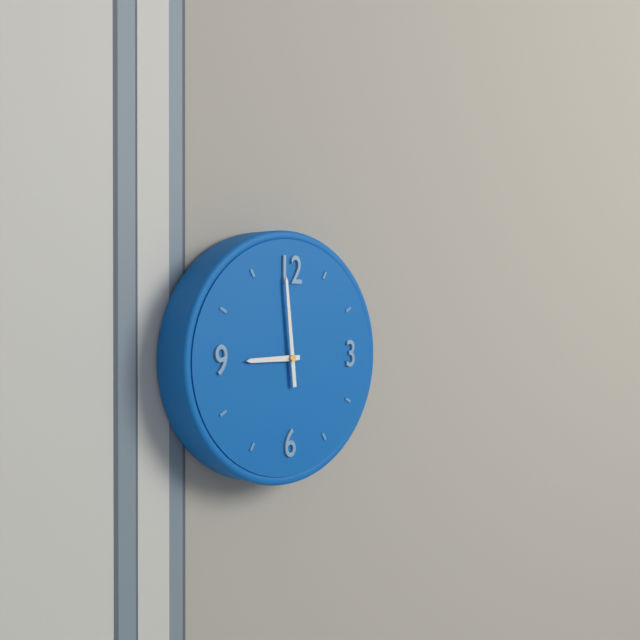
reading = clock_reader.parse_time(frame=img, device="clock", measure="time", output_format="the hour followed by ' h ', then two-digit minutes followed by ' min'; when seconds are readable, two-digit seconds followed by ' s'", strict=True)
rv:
8 h 59 min
